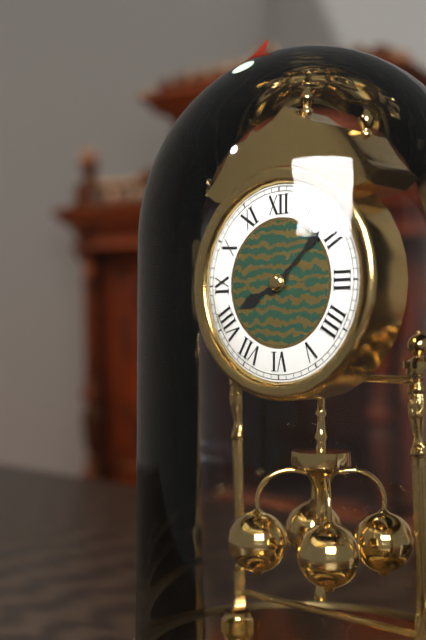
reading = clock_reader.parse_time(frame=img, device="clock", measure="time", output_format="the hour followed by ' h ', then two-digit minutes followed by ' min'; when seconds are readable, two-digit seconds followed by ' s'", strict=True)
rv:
8 h 08 min
